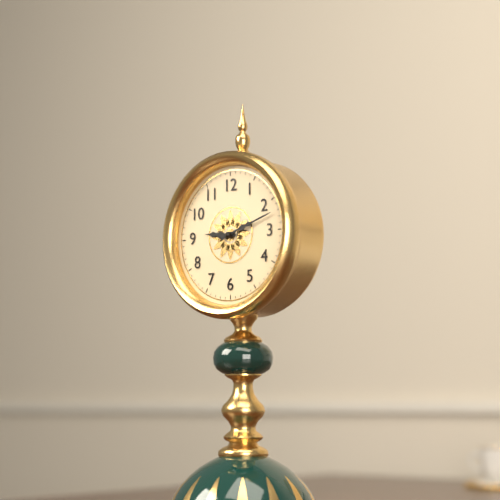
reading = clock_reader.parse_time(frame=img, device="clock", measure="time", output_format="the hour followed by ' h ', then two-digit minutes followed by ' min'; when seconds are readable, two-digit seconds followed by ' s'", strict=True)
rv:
9 h 12 min
